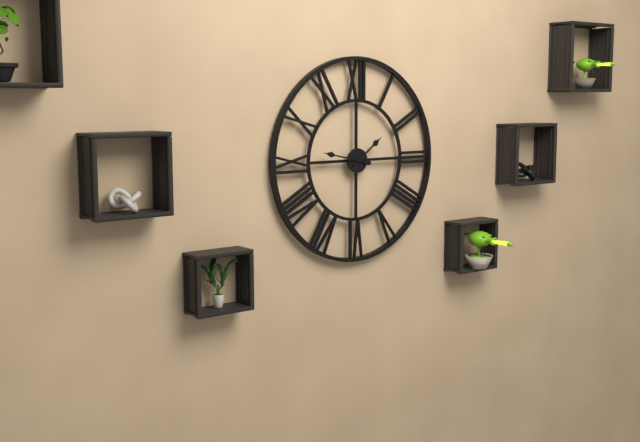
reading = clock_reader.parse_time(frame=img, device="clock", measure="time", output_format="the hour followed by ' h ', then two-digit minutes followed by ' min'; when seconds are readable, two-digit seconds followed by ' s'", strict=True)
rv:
1 h 47 min
